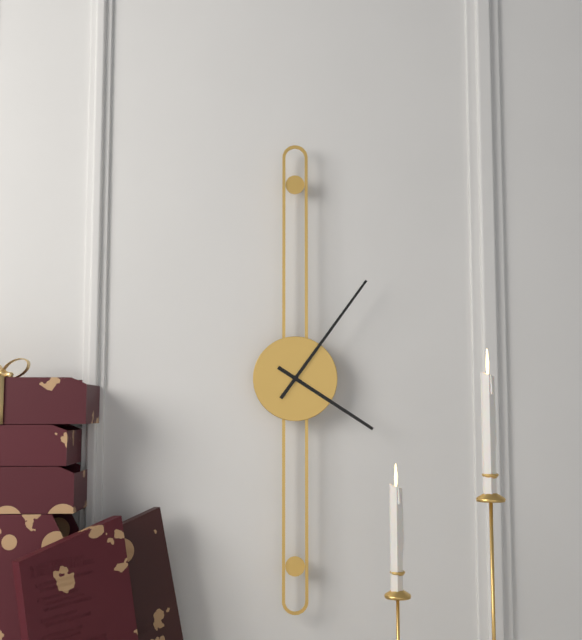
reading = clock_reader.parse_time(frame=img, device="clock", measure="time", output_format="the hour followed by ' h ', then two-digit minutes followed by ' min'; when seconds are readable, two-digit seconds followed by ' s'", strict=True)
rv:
4 h 06 min
